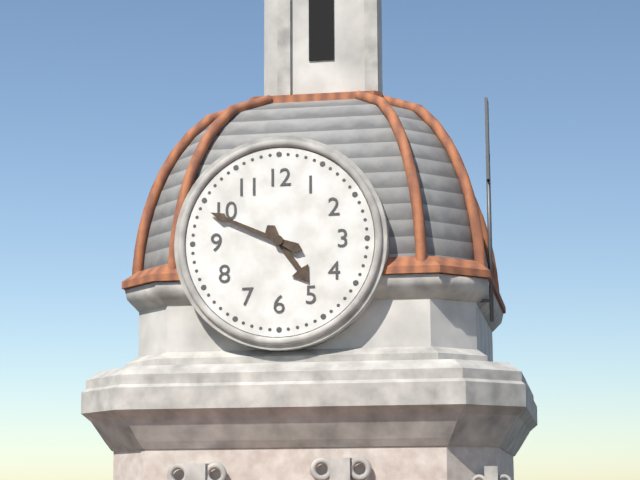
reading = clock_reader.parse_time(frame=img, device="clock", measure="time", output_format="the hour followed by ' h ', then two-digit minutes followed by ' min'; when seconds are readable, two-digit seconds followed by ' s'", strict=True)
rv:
4 h 49 min
